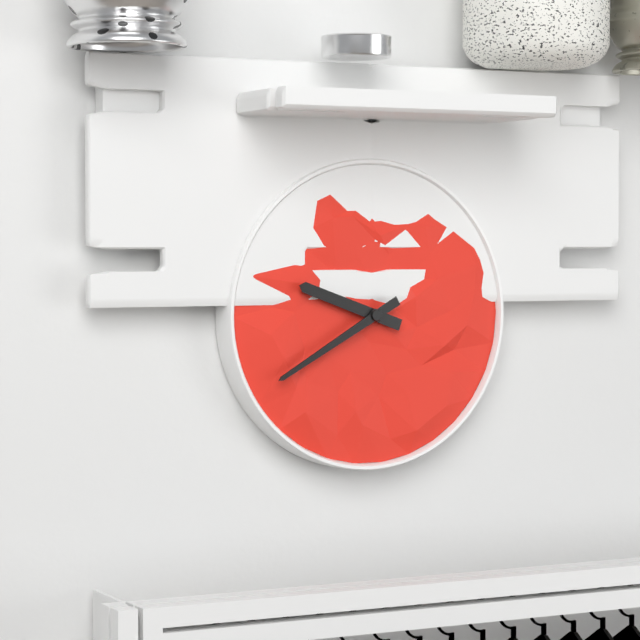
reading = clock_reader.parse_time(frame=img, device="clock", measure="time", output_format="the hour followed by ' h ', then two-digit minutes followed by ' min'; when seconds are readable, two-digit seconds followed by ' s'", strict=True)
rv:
9 h 40 min
